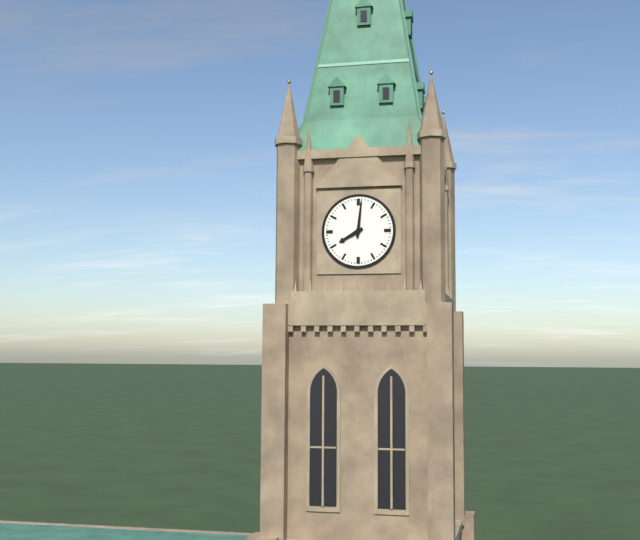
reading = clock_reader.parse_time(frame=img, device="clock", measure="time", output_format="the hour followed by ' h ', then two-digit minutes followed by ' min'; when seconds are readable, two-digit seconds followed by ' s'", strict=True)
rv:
8 h 01 min
